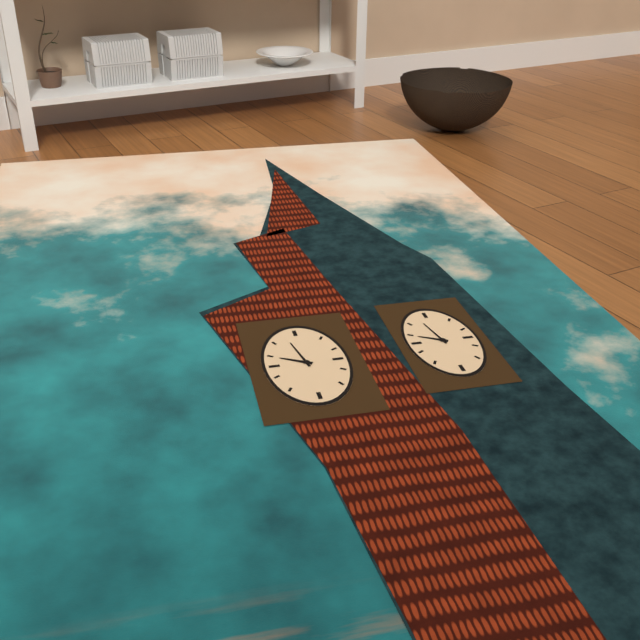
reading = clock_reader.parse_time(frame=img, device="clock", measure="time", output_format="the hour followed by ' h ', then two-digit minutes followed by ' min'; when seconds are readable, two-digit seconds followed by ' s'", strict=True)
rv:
9 h 58 min
